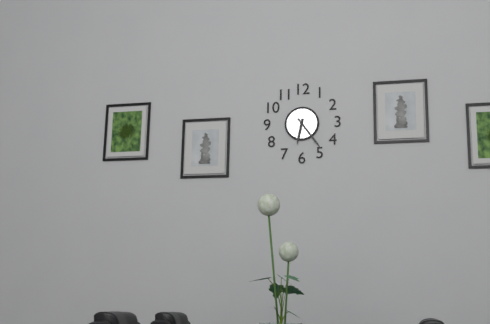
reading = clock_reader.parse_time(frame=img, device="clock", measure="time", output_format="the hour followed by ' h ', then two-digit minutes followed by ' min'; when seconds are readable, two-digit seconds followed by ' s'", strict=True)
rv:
6 h 24 min
